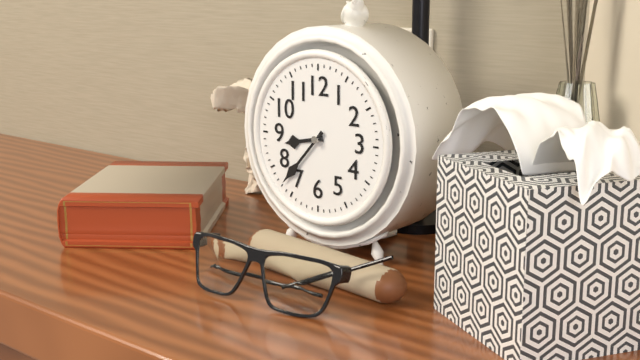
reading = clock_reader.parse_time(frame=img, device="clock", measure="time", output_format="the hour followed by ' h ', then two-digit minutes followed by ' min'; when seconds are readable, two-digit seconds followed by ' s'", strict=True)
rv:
8 h 37 min
